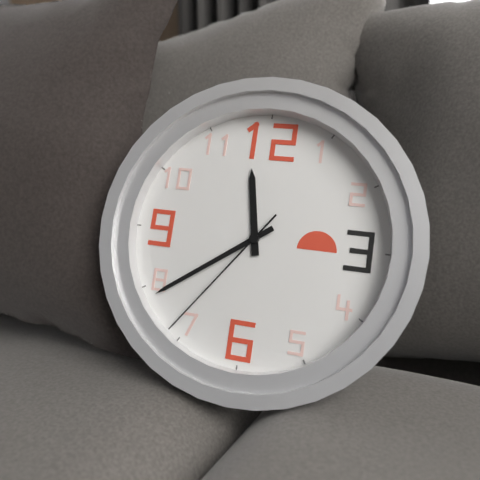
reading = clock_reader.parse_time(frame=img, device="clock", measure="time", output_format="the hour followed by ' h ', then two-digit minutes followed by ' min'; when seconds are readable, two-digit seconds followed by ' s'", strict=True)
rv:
11 h 39 min 36 s
